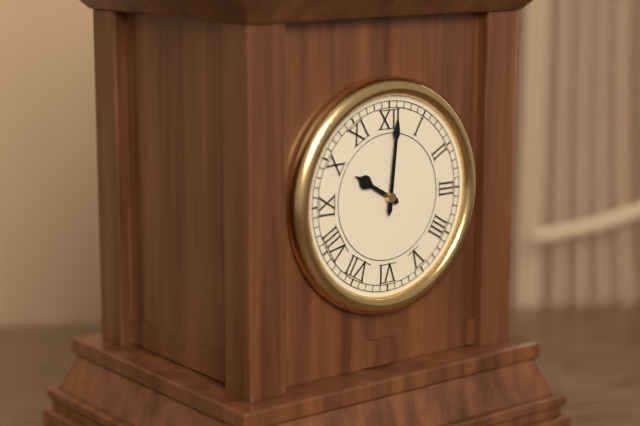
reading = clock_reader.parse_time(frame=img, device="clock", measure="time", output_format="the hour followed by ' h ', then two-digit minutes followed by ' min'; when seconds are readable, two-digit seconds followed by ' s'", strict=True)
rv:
10 h 01 min
